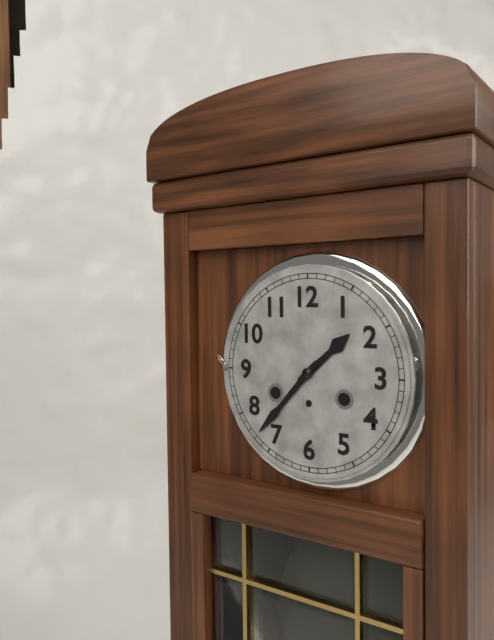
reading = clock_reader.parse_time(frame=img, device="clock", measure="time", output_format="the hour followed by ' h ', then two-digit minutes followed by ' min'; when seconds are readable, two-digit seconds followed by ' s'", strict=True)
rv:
1 h 37 min
